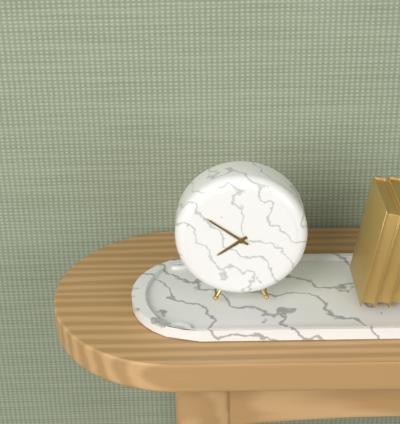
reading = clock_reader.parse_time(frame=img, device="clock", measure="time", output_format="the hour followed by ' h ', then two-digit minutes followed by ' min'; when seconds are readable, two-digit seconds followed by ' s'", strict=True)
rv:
7 h 51 min
